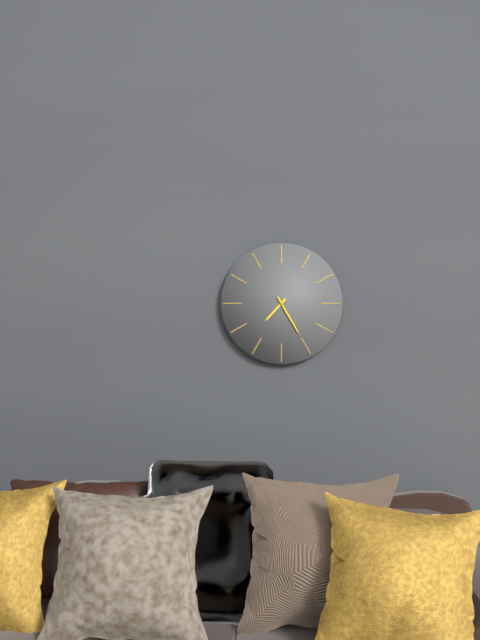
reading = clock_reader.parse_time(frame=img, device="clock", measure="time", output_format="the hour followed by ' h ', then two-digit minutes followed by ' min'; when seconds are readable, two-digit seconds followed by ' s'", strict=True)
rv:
7 h 25 min
